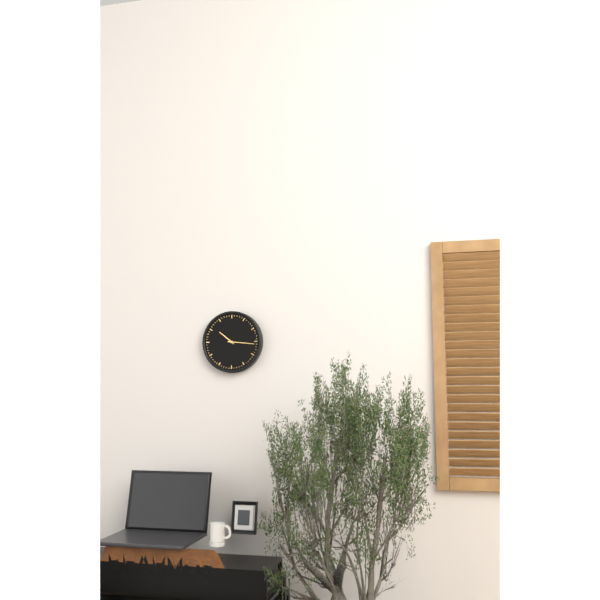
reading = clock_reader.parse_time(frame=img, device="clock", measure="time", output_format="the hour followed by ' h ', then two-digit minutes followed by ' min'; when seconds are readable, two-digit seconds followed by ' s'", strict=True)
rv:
10 h 16 min
